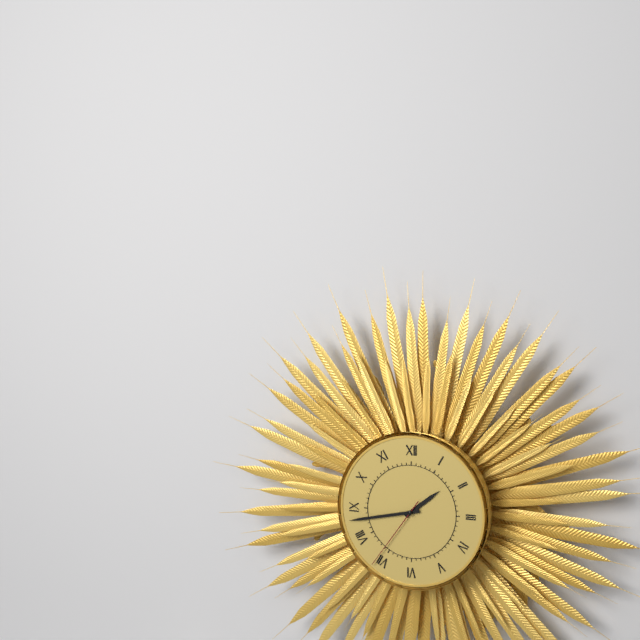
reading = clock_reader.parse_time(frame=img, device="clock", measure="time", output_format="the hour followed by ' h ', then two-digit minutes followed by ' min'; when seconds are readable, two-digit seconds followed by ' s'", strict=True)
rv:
1 h 43 min 36 s
